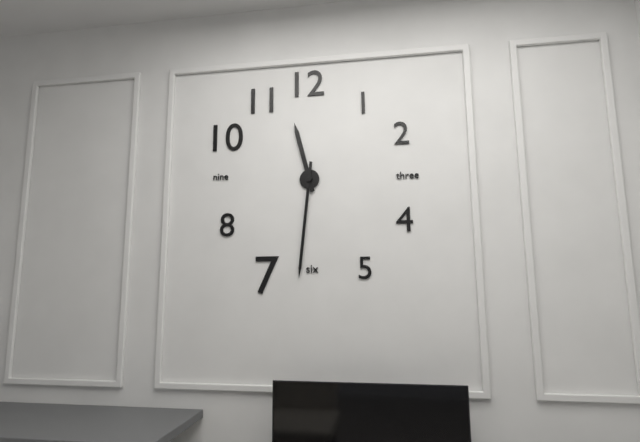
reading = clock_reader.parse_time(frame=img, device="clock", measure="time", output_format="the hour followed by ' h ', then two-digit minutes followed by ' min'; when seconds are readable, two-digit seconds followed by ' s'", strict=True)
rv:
11 h 31 min
